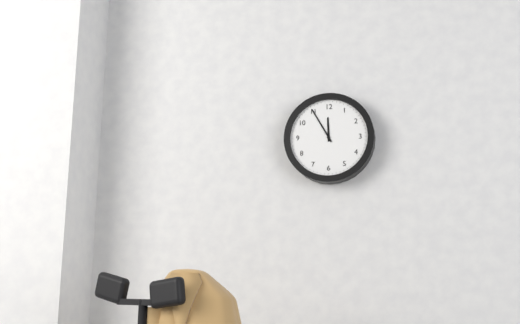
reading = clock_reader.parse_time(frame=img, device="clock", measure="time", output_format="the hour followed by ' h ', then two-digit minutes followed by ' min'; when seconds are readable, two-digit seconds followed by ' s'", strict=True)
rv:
11 h 55 min
